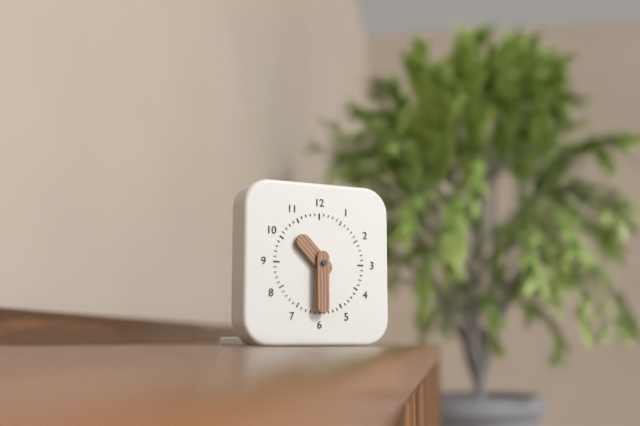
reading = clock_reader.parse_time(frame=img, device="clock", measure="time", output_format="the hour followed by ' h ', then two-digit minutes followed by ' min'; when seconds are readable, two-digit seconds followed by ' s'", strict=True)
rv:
10 h 30 min
